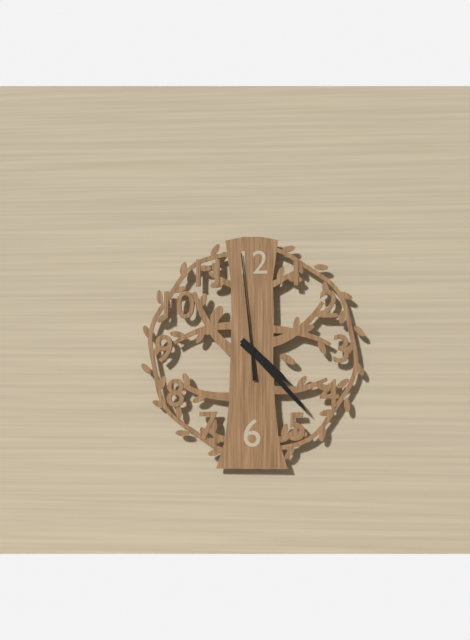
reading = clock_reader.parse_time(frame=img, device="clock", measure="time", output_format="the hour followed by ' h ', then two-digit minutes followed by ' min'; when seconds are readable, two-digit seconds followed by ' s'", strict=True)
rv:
4 h 23 min 59 s
